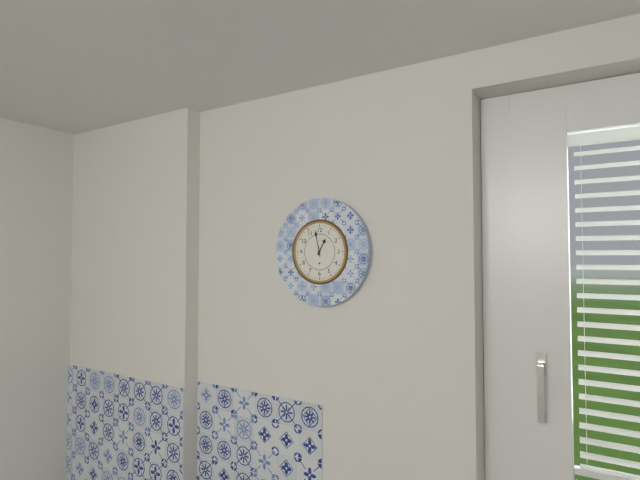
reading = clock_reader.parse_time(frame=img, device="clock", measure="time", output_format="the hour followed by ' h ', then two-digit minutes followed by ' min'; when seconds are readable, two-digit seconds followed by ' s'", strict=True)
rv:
12 h 58 min
